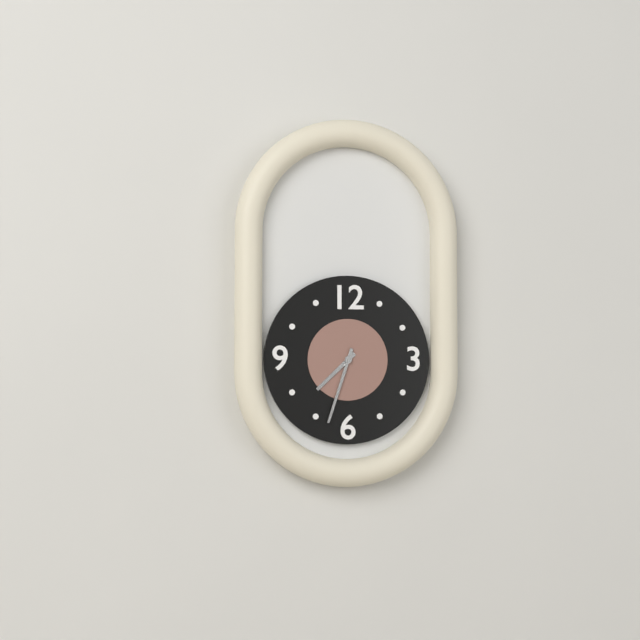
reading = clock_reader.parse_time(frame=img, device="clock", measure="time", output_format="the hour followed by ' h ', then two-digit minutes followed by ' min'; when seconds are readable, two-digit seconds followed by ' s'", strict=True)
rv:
7 h 33 min
